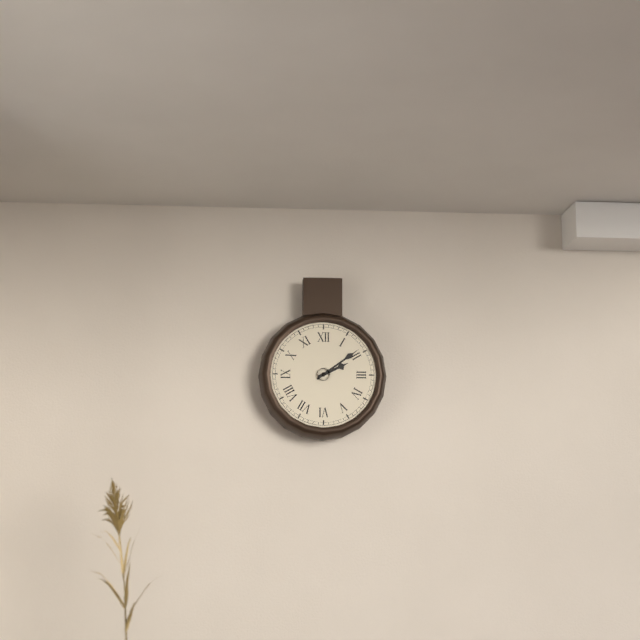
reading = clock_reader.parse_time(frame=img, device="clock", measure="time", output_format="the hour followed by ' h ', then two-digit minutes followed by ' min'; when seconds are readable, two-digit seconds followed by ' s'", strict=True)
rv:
2 h 09 min
